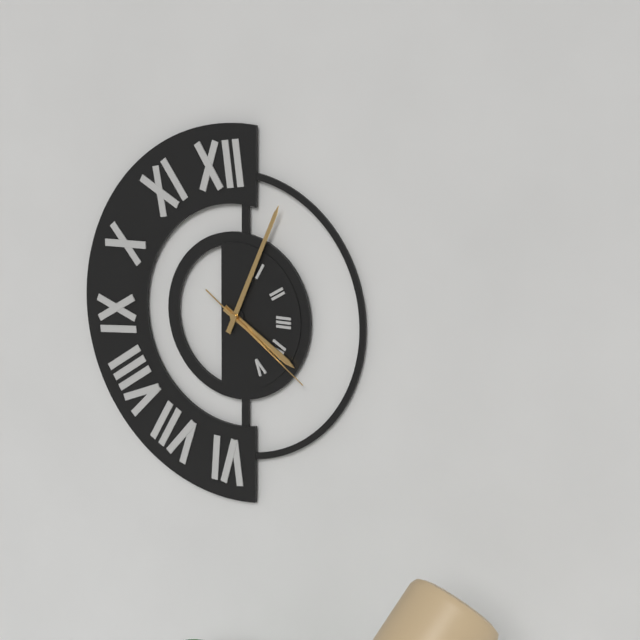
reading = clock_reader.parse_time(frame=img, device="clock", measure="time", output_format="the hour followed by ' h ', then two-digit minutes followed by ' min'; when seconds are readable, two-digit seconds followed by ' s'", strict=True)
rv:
4 h 04 min 21 s
